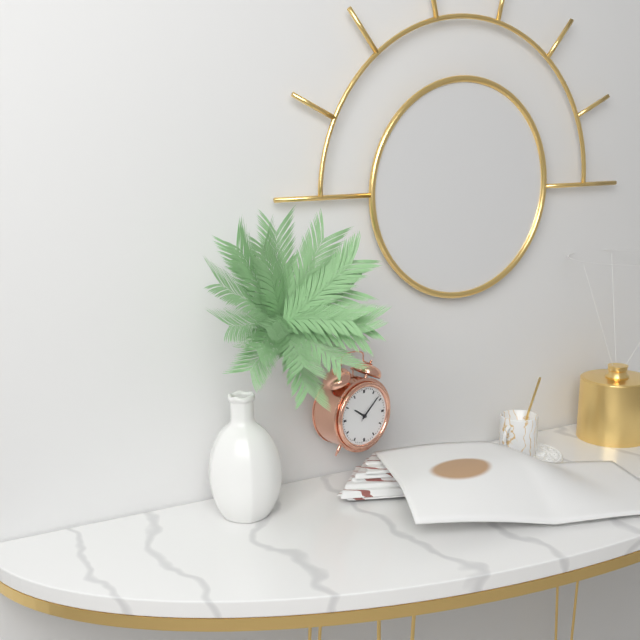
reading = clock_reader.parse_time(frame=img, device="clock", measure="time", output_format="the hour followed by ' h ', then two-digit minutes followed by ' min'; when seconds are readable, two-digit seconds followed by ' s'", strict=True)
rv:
10 h 08 min
